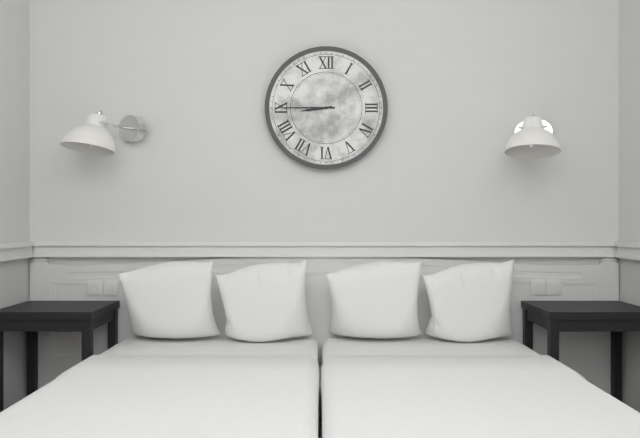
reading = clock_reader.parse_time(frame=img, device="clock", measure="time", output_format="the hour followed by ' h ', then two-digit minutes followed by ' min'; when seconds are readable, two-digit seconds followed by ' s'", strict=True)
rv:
8 h 45 min
